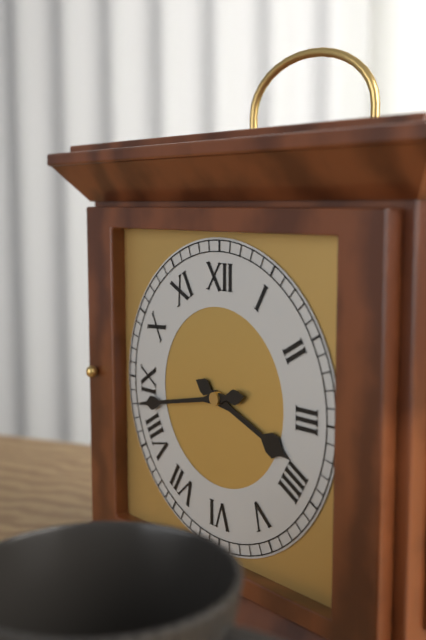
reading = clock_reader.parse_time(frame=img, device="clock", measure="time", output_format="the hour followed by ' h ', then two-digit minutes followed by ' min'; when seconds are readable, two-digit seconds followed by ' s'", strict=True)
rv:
3 h 43 min
